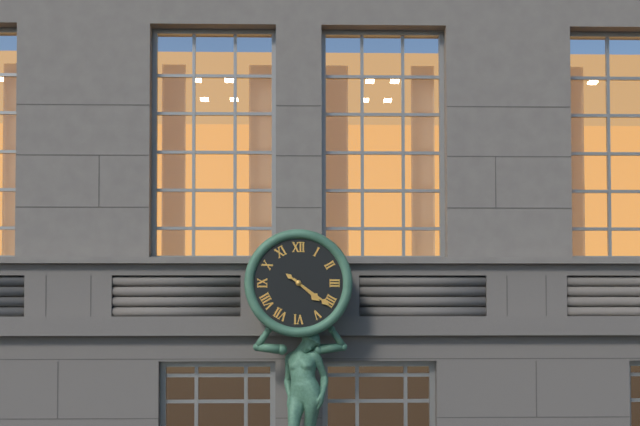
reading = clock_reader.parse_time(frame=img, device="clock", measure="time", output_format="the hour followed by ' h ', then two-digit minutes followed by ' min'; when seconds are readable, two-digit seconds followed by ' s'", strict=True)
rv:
4 h 21 min
